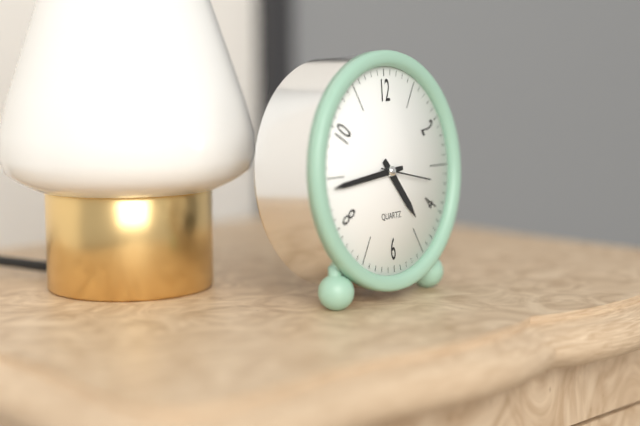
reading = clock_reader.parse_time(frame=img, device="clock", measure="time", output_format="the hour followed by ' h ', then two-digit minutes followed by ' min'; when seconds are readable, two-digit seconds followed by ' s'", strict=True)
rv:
4 h 44 min 17 s
